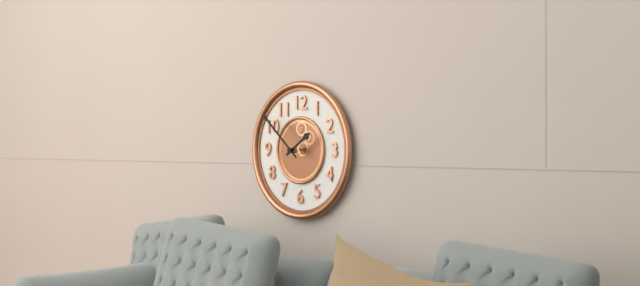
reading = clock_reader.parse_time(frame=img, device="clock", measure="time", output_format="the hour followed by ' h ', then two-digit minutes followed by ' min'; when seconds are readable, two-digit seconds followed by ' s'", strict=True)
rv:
1 h 52 min
